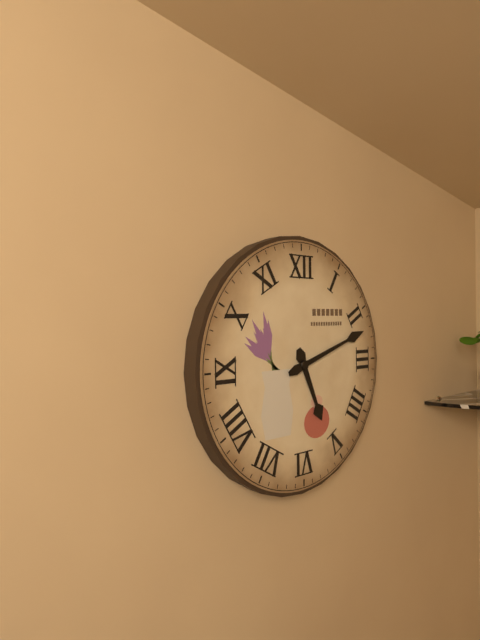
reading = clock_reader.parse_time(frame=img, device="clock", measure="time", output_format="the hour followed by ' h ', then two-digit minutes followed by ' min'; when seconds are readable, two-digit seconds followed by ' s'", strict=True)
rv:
5 h 12 min
